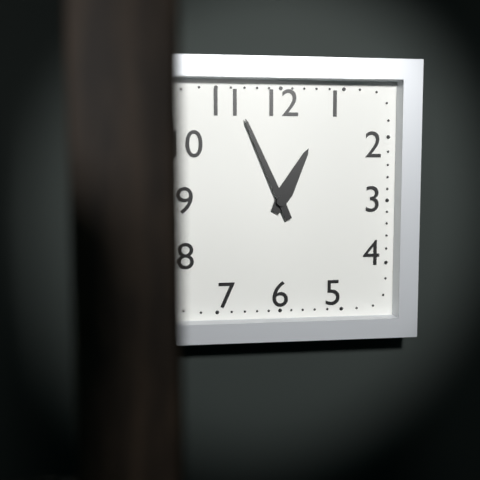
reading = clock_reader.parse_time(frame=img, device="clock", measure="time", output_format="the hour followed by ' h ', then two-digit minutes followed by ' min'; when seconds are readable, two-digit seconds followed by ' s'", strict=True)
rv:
12 h 56 min
